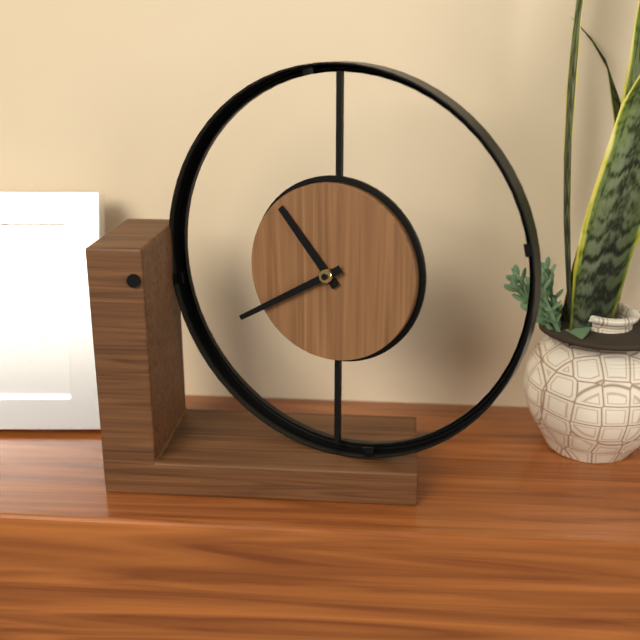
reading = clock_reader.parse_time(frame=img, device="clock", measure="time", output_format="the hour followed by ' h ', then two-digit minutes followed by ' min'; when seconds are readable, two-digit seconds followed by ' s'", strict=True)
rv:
10 h 40 min
